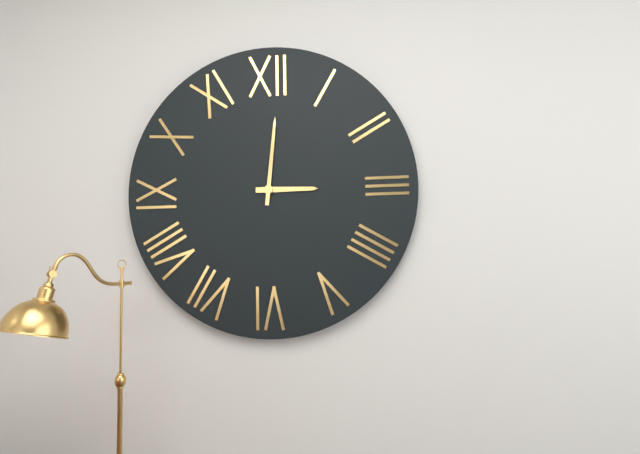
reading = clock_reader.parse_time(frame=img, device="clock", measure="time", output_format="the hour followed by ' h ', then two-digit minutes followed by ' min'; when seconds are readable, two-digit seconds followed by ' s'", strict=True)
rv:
3 h 01 min
